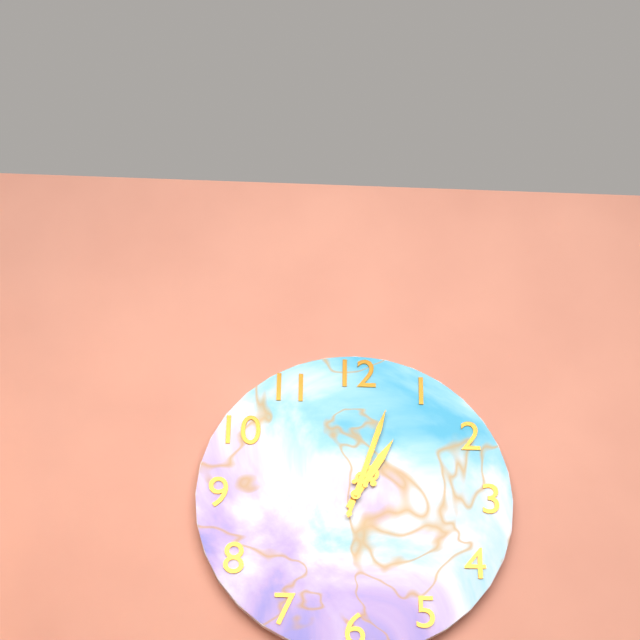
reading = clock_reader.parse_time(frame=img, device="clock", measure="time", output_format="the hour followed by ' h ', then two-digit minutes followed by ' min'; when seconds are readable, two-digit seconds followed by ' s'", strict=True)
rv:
1 h 03 min 03 s
